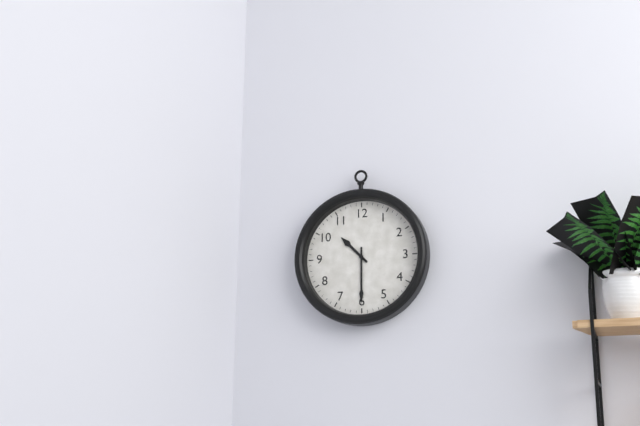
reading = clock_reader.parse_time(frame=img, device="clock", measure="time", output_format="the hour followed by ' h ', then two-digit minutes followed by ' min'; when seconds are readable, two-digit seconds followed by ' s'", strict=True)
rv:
10 h 30 min
